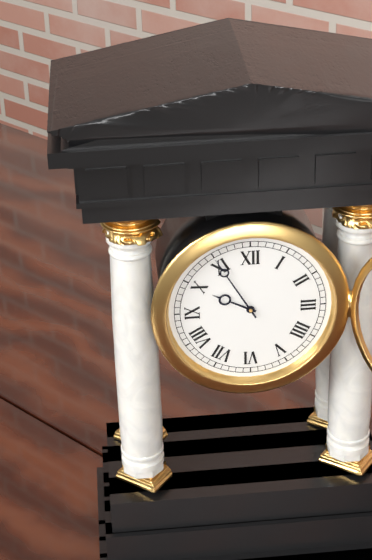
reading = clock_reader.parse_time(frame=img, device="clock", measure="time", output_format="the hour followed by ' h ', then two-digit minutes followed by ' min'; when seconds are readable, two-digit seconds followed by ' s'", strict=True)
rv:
9 h 55 min
